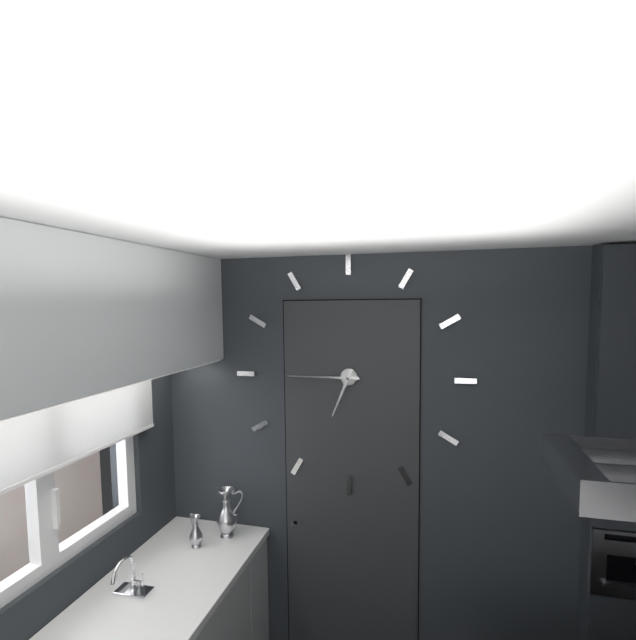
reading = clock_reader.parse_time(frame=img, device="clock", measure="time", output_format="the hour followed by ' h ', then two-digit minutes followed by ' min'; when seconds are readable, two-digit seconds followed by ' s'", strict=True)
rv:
6 h 45 min
